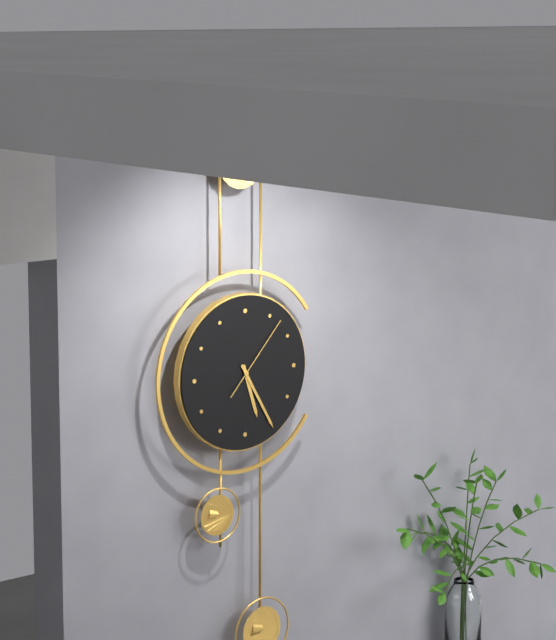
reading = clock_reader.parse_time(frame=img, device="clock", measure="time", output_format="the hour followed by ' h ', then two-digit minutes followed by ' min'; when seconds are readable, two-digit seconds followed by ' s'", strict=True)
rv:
5 h 25 min 07 s
